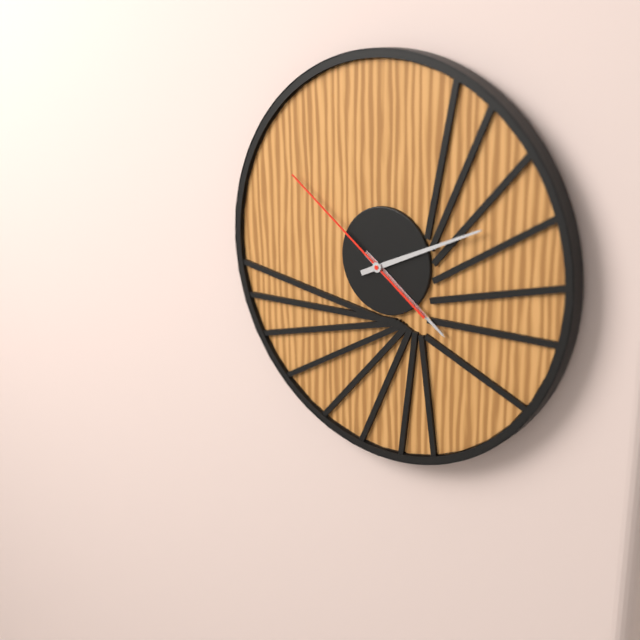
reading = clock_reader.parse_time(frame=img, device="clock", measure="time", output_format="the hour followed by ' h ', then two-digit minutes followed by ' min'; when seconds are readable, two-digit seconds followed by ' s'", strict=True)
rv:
4 h 11 min 51 s
